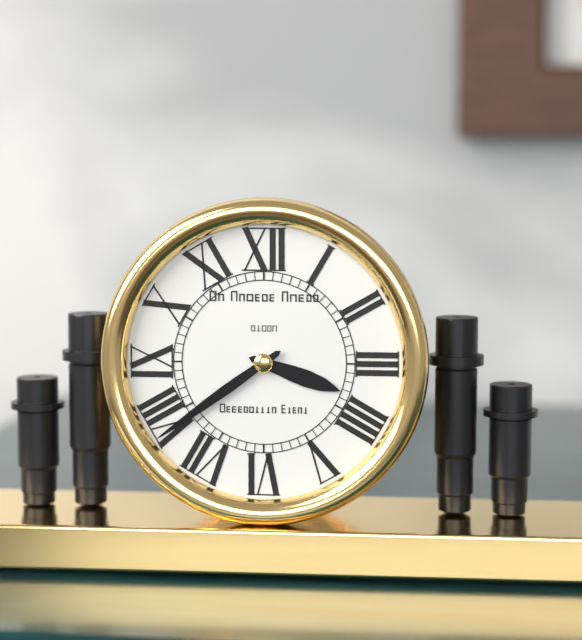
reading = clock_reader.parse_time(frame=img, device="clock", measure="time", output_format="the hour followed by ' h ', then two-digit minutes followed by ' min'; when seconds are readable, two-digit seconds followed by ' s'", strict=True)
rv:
3 h 39 min
